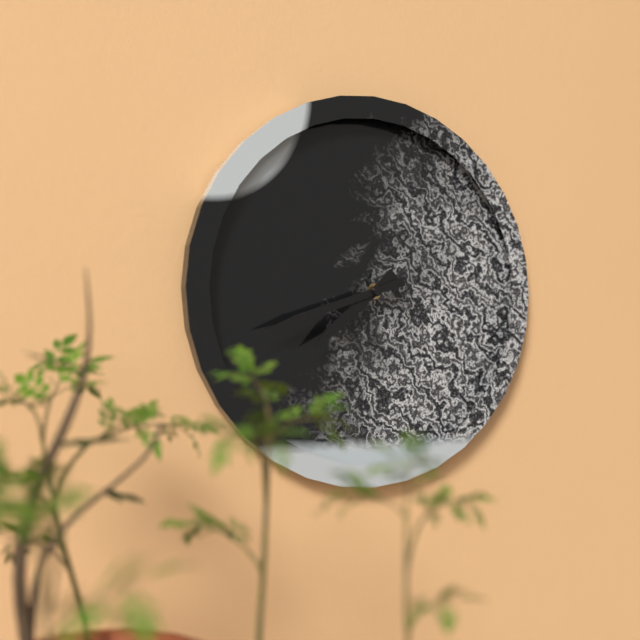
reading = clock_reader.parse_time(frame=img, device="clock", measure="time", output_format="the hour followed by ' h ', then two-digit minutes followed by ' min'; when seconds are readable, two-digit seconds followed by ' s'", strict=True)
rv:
7 h 42 min
